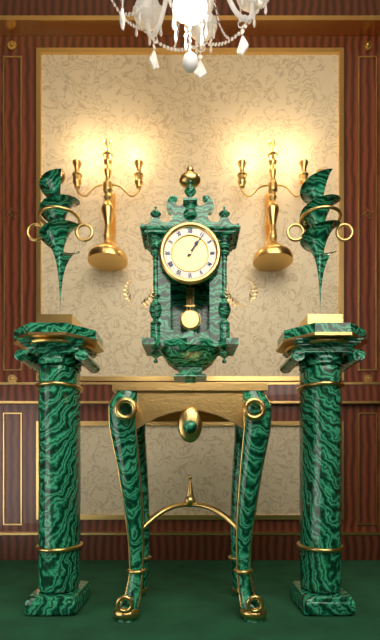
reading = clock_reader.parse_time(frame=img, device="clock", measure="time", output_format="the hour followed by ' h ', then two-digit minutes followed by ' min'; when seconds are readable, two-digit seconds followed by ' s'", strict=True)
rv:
1 h 06 min
